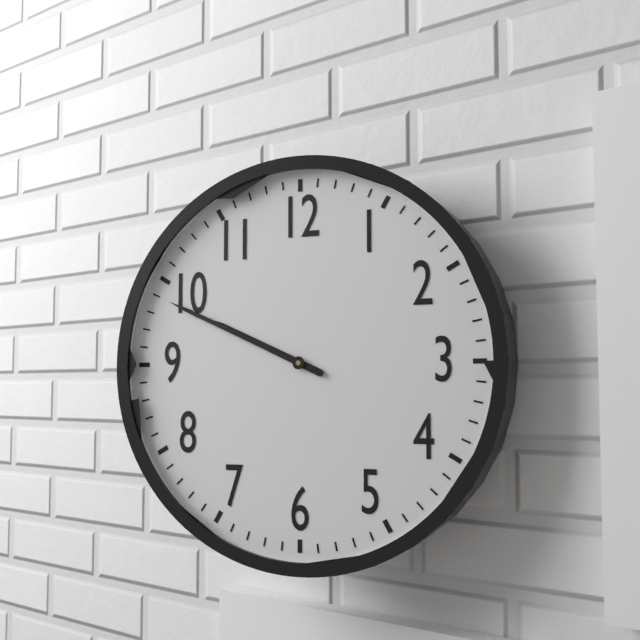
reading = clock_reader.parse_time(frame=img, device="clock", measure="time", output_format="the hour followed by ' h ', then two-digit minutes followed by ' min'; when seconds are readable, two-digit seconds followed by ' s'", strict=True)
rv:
9 h 49 min
